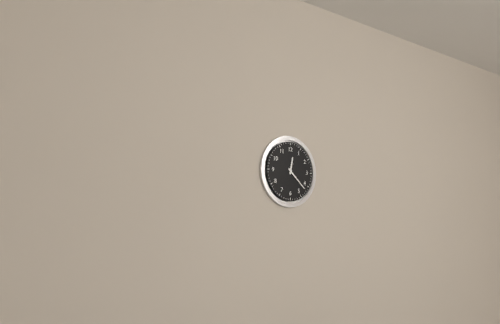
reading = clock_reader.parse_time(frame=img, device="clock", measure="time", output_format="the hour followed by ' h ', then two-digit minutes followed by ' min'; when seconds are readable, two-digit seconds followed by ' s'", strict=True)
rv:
12 h 22 min
